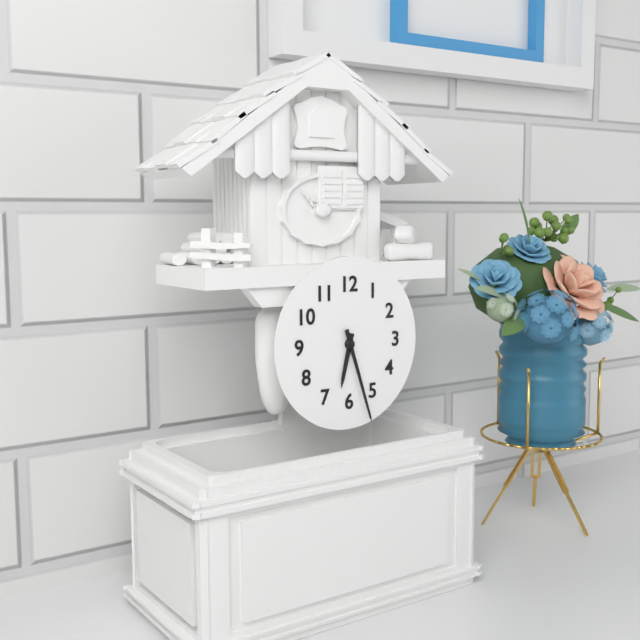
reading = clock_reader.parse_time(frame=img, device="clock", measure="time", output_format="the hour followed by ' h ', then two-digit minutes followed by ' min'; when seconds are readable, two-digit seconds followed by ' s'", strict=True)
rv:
6 h 27 min
